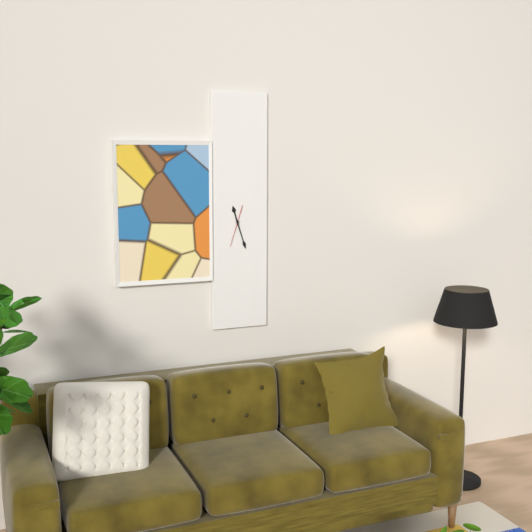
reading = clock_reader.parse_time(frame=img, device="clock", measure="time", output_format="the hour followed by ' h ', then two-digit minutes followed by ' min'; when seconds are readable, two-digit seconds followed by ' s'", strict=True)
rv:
11 h 27 min
